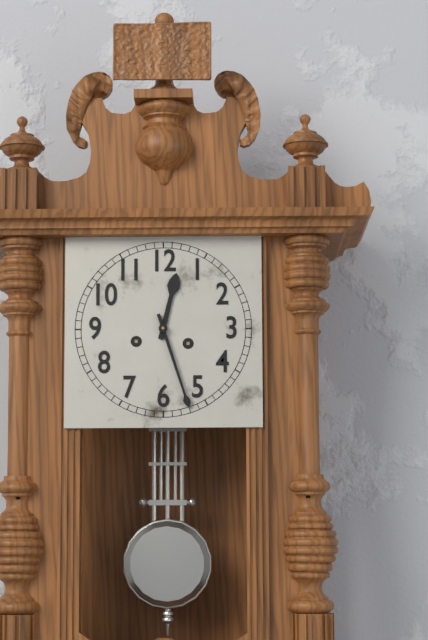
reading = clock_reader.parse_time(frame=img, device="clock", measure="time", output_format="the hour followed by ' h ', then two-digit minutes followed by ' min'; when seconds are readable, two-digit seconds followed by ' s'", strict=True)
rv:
12 h 27 min
